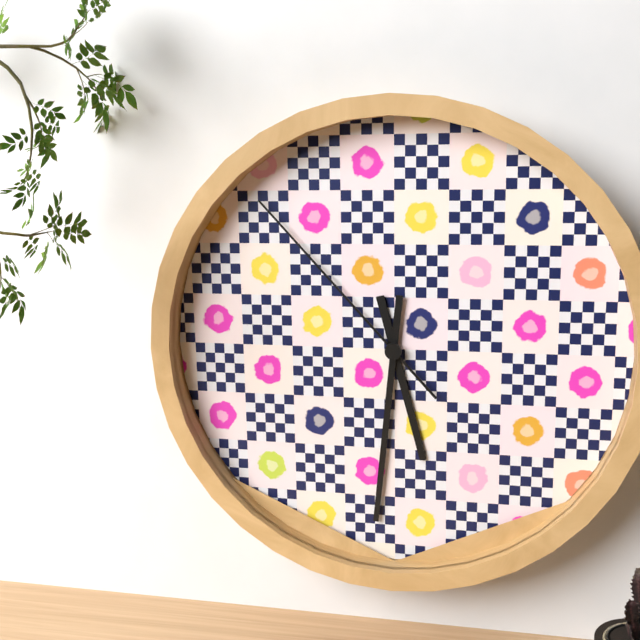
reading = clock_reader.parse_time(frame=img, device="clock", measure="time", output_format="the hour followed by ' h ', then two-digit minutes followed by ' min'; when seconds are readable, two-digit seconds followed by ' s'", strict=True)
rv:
5 h 31 min 53 s
